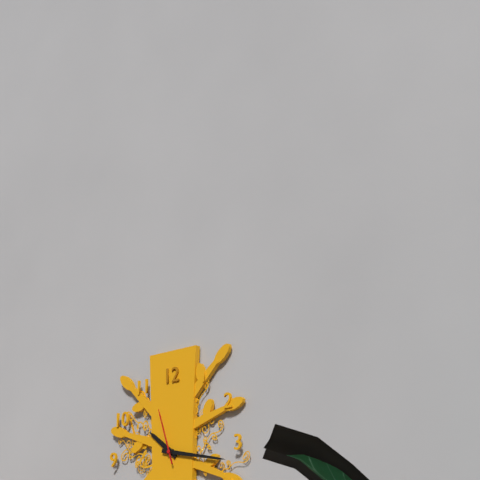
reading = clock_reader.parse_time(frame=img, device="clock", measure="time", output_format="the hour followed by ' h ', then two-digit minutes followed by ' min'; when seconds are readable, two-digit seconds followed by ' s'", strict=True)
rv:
10 h 17 min 57 s
